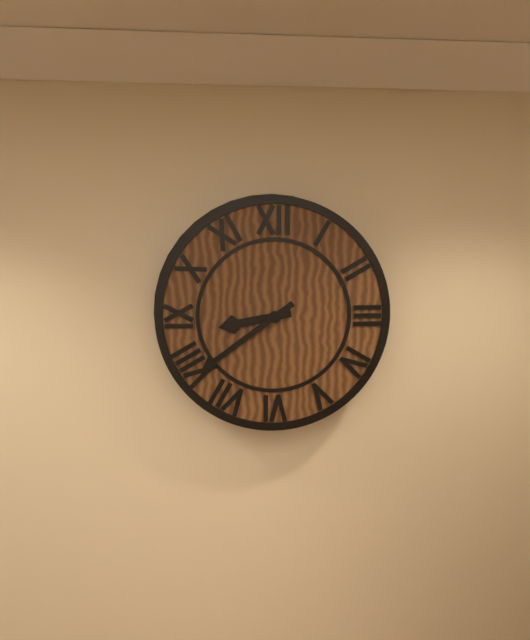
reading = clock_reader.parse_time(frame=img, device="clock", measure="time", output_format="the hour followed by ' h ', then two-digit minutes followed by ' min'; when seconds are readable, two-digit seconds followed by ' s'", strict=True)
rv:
8 h 39 min
